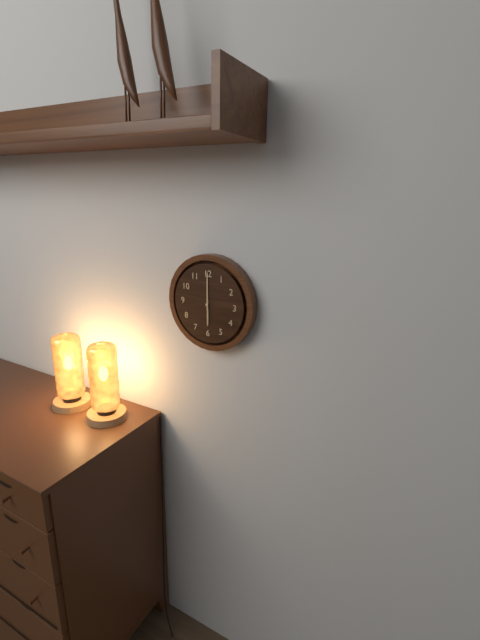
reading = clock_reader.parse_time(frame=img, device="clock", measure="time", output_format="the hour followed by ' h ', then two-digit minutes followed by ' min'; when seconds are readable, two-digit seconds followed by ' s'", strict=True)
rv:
6 h 00 min
